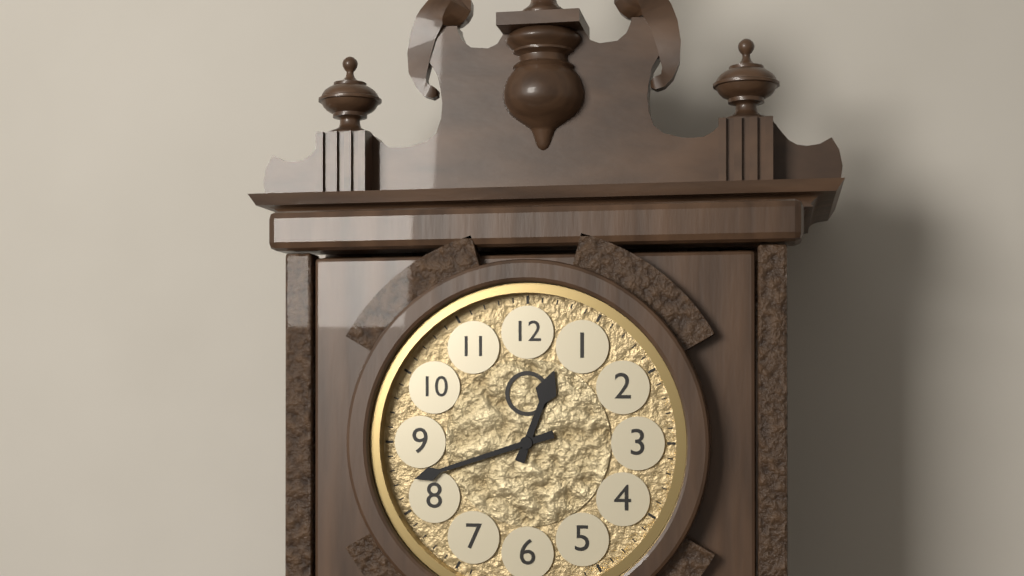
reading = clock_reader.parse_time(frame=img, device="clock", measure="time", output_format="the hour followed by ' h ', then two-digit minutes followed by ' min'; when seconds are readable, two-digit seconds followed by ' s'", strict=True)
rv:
12 h 42 min
